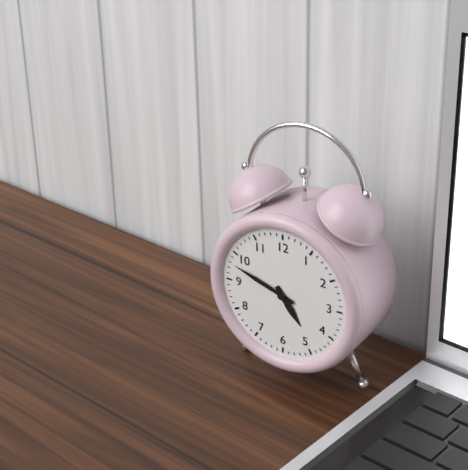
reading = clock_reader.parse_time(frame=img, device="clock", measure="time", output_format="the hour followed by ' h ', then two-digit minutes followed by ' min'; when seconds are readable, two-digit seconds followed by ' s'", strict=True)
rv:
4 h 48 min
